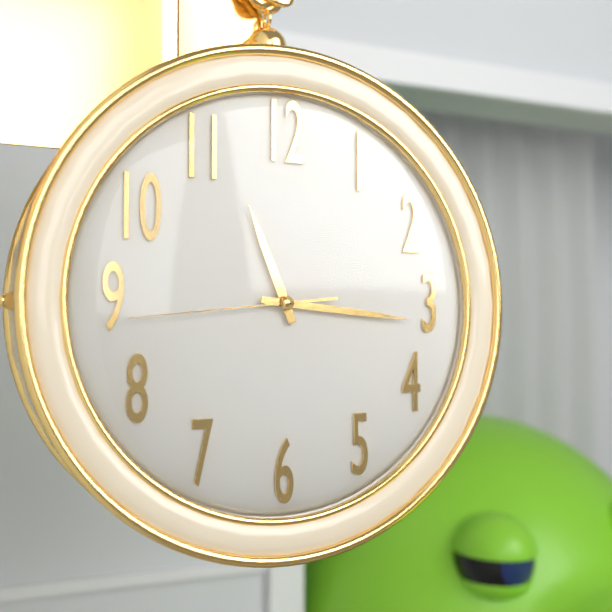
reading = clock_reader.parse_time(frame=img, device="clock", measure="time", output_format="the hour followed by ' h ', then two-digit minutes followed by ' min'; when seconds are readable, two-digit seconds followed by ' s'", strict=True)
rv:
11 h 16 min 44 s
